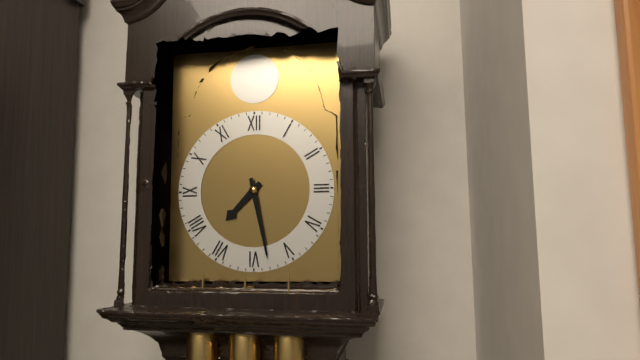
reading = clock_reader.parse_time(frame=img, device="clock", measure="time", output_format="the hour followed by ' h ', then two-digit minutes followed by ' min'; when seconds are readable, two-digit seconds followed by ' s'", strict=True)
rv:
7 h 28 min
